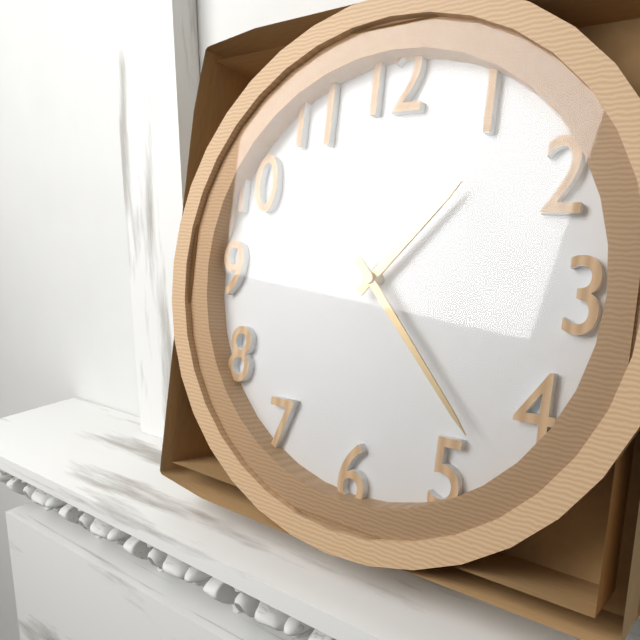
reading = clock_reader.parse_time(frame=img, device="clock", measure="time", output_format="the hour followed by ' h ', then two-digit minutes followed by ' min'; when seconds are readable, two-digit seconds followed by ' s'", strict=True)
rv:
1 h 23 min
